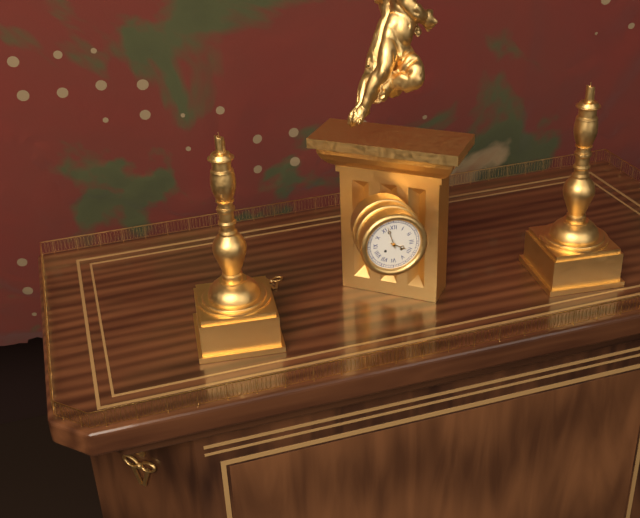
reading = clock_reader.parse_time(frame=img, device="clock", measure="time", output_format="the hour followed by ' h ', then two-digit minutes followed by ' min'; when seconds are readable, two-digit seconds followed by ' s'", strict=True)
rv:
3 h 57 min
